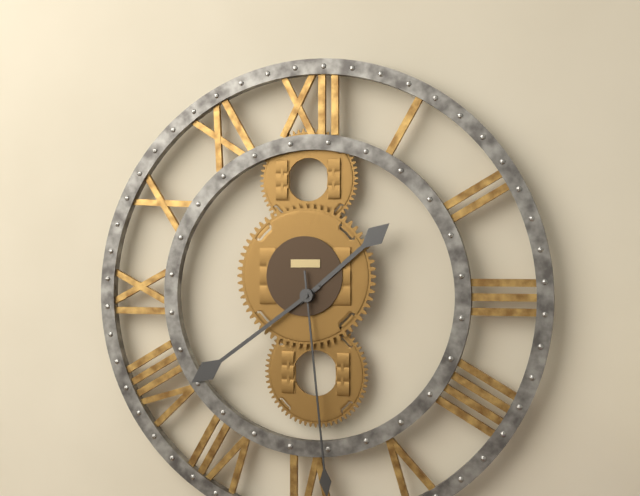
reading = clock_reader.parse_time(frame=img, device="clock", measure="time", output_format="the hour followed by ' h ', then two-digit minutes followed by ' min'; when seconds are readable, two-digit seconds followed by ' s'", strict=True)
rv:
1 h 39 min
